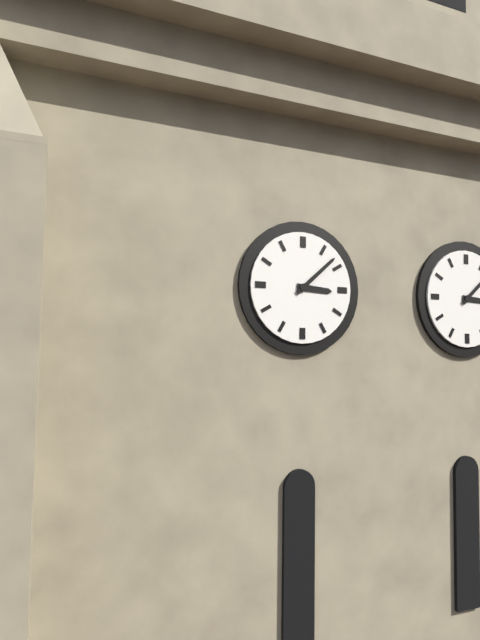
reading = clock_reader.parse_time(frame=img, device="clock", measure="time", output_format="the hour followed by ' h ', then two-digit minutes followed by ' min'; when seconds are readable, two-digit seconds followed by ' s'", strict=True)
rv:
3 h 08 min
